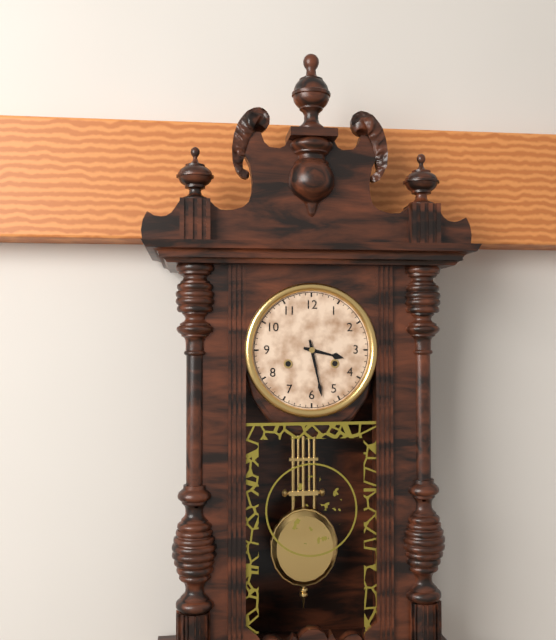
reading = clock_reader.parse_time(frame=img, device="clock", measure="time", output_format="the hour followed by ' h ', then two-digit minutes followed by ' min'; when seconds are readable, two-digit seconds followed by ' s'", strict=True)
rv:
3 h 28 min
